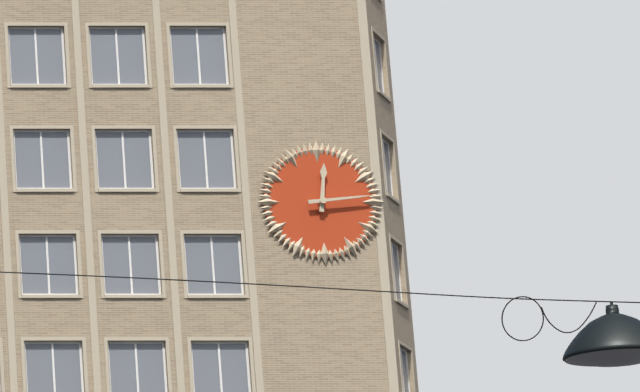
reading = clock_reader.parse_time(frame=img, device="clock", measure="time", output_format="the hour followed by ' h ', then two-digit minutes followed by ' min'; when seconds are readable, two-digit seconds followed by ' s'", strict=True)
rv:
12 h 14 min
